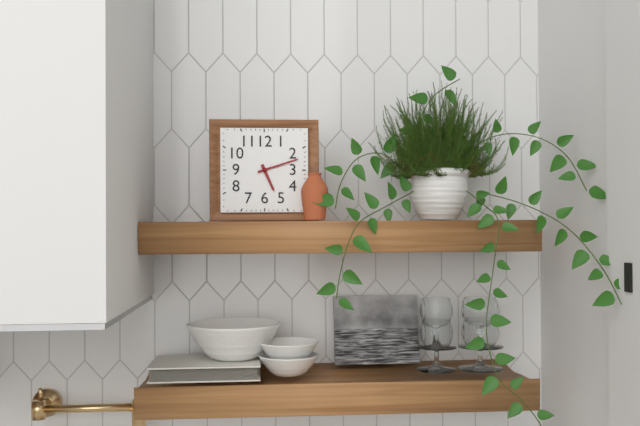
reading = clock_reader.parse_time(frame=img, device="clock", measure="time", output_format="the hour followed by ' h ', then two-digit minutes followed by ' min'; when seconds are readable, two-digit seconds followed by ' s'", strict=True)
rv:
5 h 12 min
